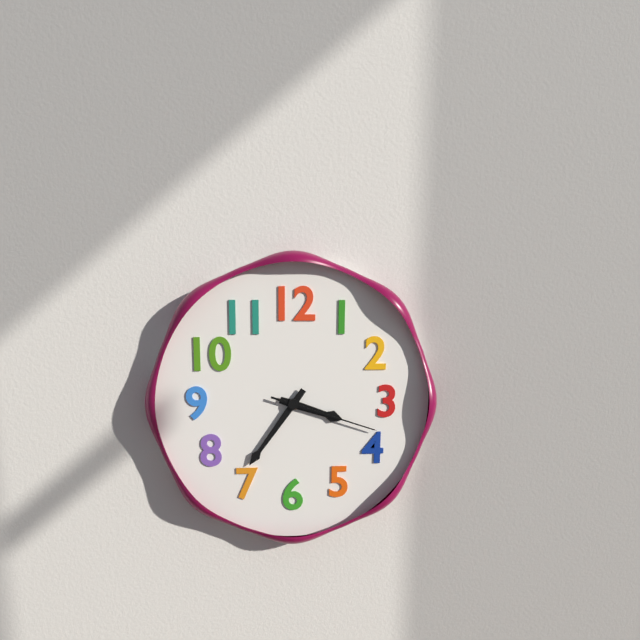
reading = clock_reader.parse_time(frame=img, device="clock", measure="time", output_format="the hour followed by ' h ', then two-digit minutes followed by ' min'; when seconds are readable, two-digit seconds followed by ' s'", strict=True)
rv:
3 h 36 min 18 s
